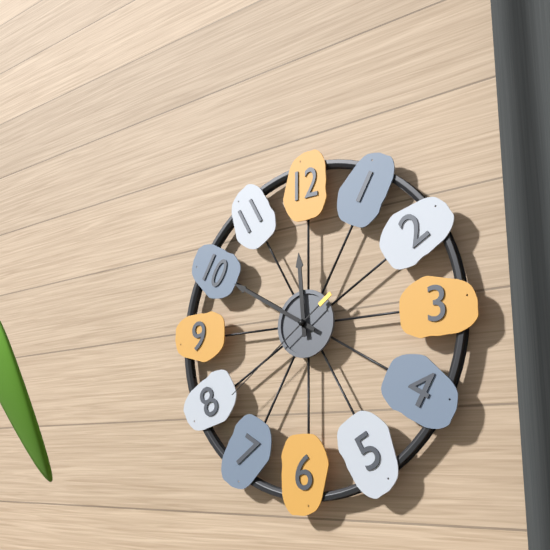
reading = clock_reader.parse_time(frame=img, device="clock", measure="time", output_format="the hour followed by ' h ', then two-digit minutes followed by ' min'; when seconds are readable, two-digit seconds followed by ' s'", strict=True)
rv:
11 h 50 min 39 s
